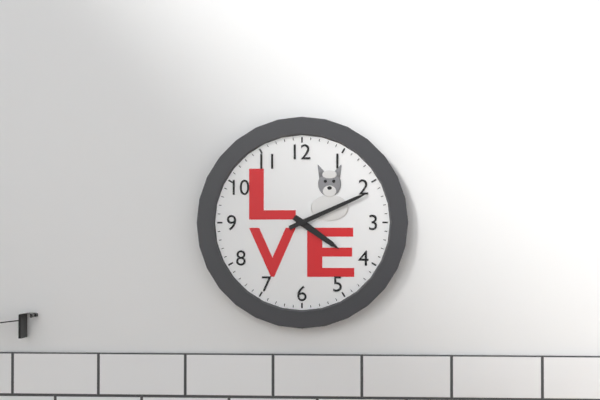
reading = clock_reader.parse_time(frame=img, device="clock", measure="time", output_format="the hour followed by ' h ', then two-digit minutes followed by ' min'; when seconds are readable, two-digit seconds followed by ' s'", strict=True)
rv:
4 h 11 min
